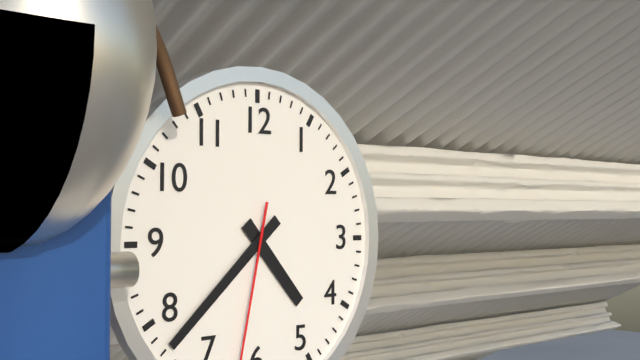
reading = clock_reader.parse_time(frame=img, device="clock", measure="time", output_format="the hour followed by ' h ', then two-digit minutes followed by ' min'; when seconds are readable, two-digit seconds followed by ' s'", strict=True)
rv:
4 h 38 min
